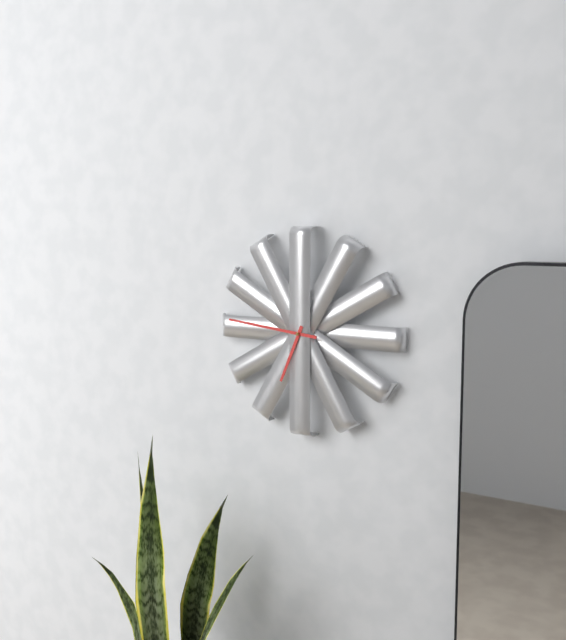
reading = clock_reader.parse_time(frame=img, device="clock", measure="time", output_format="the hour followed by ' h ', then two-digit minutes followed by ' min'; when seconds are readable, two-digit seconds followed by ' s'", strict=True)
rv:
6 h 46 min
